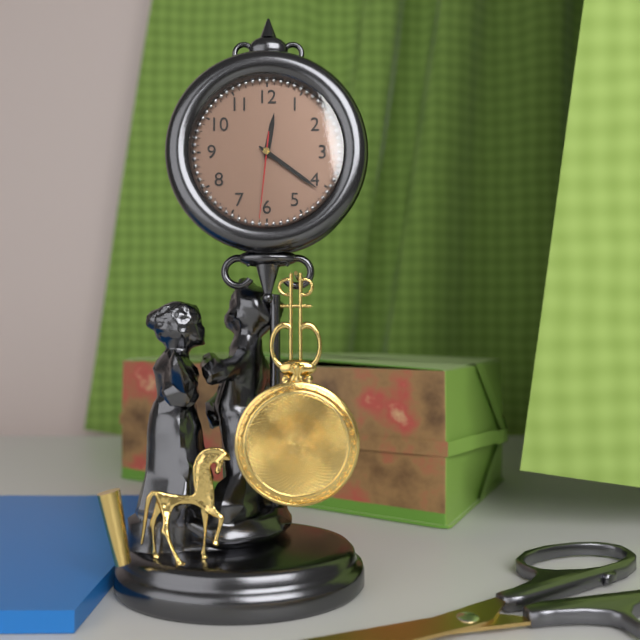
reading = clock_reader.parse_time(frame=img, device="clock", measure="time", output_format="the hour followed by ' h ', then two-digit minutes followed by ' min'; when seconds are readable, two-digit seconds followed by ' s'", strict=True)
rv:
12 h 21 min 31 s
